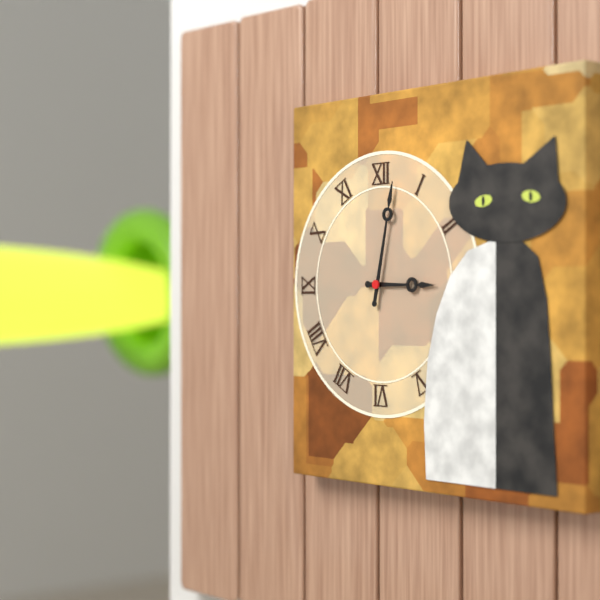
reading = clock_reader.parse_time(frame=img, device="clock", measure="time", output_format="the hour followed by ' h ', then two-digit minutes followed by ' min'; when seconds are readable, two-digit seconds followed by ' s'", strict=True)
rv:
3 h 02 min
